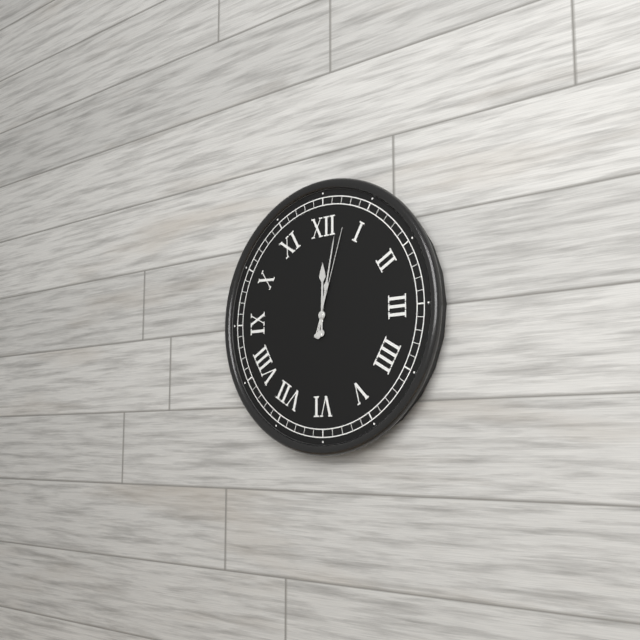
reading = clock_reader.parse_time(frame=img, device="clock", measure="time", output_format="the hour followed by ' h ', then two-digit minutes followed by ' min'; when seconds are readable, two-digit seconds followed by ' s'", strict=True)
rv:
12 h 02 min 03 s
